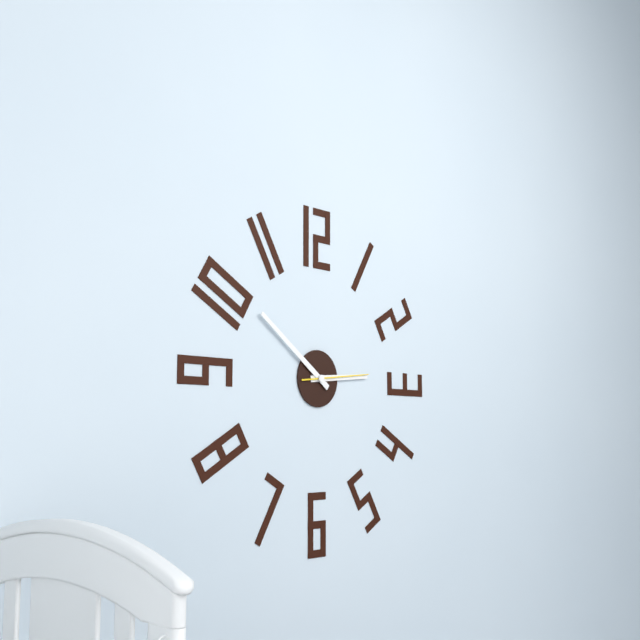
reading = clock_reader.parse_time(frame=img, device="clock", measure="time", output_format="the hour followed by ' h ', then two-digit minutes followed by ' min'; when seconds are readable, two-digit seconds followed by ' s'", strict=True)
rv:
2 h 51 min 14 s
